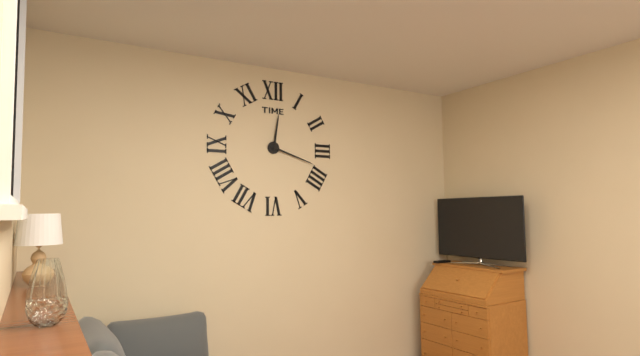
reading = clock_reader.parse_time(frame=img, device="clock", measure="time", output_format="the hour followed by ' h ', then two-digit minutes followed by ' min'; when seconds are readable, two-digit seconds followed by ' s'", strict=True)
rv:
12 h 18 min
